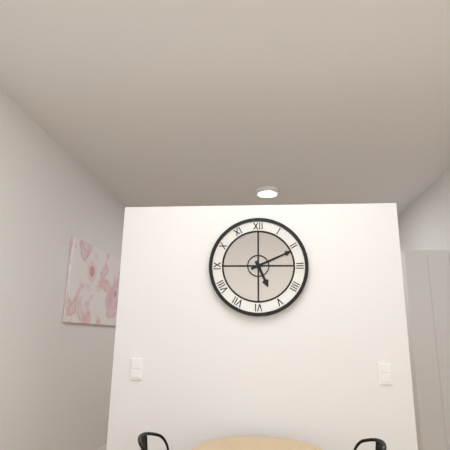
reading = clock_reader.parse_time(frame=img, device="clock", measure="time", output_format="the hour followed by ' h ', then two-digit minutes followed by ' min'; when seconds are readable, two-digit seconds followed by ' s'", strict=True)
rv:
5 h 11 min
